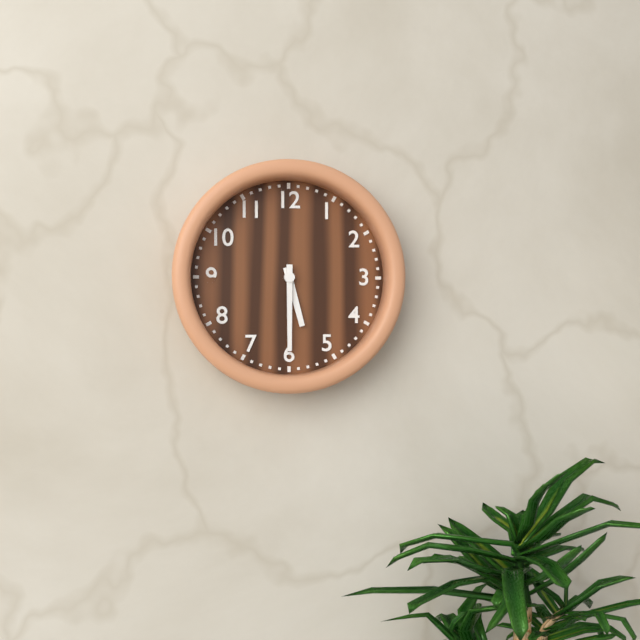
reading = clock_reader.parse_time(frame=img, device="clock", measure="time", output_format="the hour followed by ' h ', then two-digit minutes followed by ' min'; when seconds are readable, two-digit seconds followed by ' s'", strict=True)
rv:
5 h 30 min
